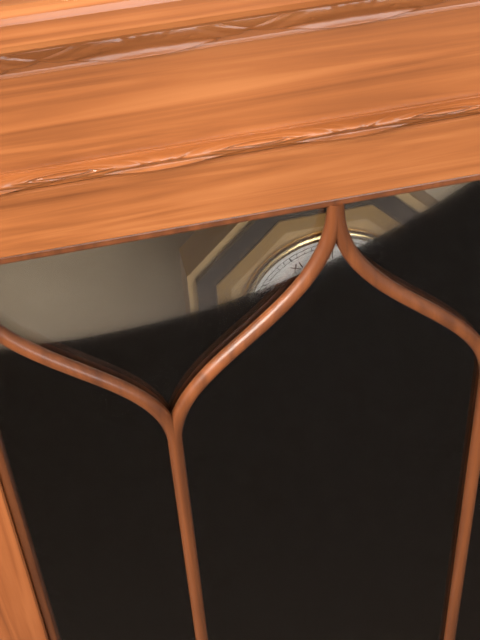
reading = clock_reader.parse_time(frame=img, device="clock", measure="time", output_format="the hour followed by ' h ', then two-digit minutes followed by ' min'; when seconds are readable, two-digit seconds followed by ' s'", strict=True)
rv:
8 h 39 min
